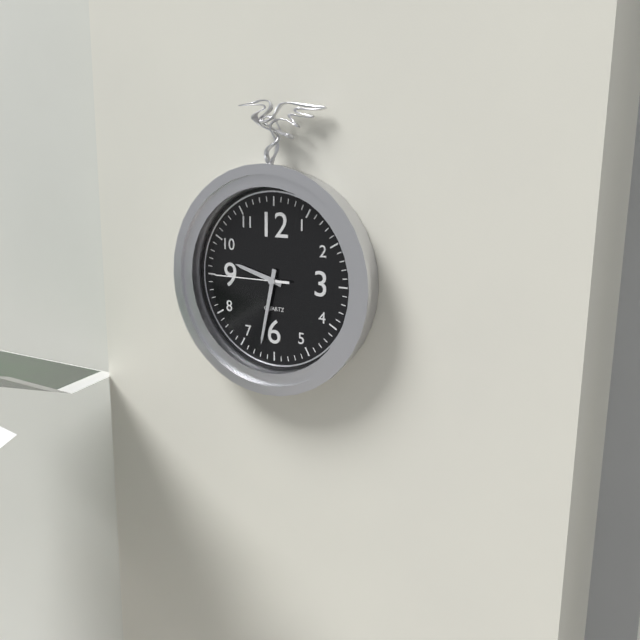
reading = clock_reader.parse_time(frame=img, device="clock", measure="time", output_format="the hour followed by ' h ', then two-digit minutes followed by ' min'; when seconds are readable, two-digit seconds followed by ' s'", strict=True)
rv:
9 h 32 min 45 s
